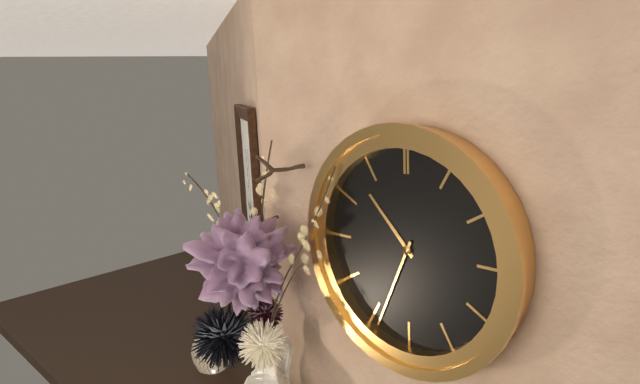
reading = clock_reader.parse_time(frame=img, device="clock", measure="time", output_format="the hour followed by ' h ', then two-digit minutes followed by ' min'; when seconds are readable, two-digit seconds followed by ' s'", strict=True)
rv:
10 h 34 min
